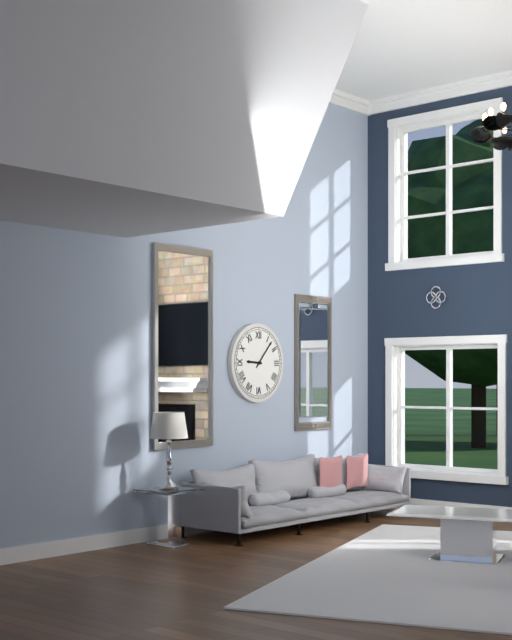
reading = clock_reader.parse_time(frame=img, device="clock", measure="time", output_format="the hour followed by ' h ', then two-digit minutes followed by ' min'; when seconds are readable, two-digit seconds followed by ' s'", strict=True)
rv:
9 h 07 min
